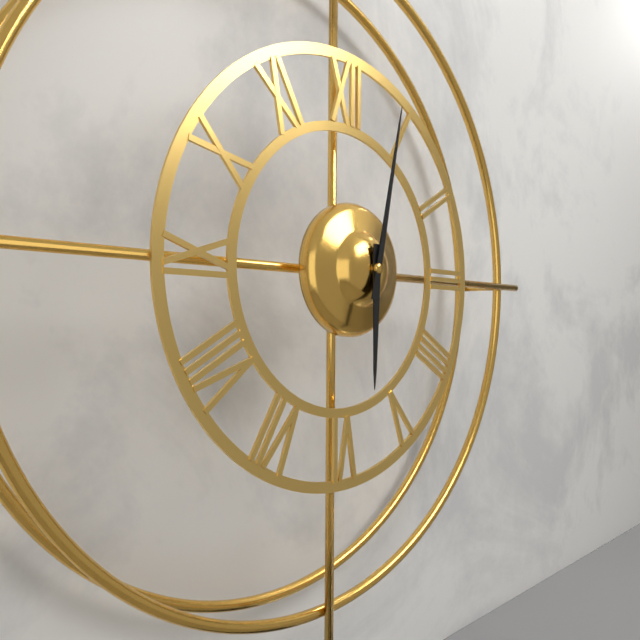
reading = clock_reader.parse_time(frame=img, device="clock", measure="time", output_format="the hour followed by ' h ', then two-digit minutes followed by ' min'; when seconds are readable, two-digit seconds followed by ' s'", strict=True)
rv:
6 h 02 min
